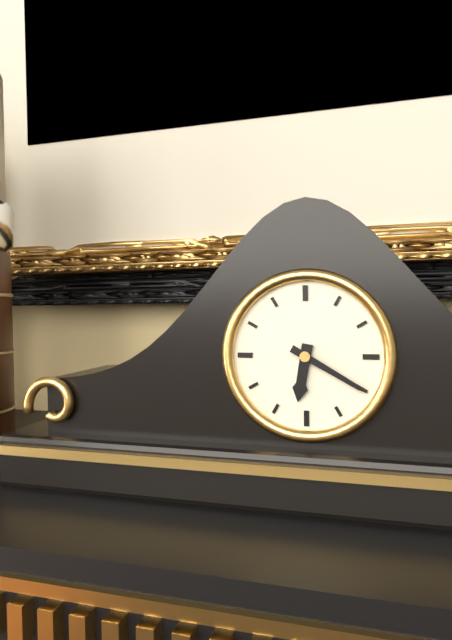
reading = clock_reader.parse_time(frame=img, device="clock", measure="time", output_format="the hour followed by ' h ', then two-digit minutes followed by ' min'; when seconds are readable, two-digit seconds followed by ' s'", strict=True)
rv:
6 h 20 min
